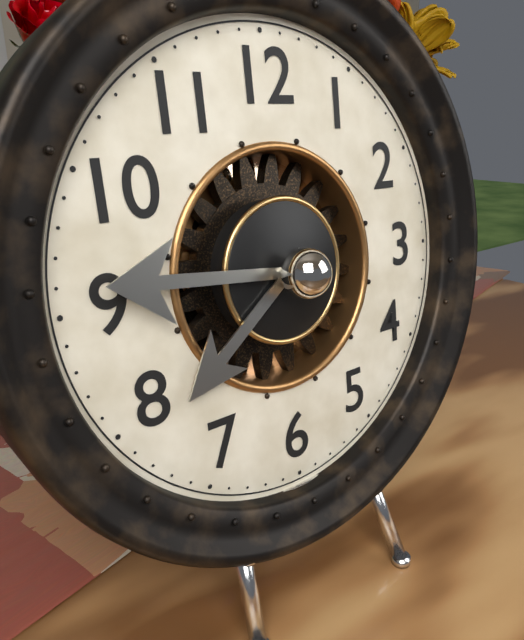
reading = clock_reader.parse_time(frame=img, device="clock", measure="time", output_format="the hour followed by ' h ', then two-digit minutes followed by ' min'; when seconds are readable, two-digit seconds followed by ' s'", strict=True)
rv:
7 h 46 min
